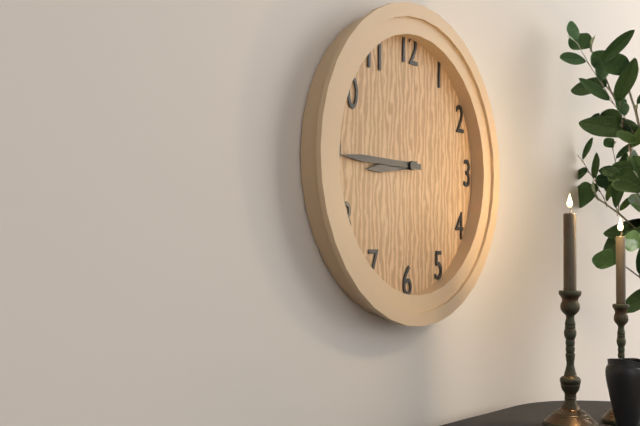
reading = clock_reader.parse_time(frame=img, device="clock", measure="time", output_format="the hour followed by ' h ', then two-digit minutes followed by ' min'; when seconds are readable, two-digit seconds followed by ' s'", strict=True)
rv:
8 h 45 min
